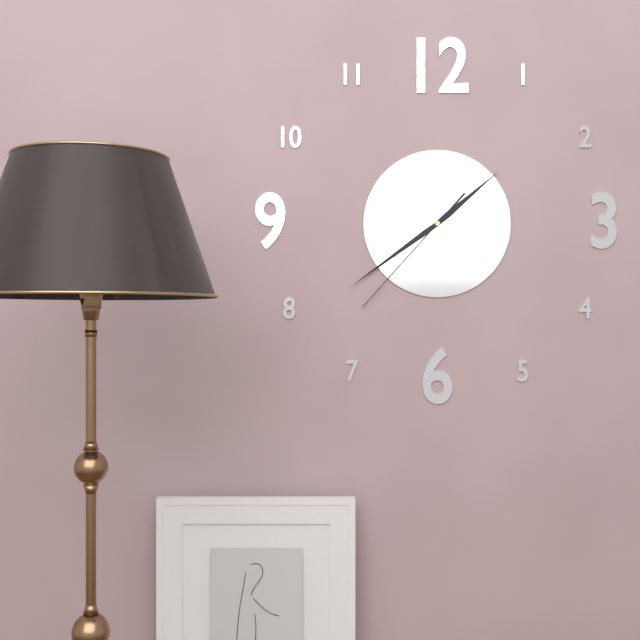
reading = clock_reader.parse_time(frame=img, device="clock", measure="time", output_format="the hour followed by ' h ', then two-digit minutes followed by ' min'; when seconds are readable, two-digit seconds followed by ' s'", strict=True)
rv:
1 h 39 min 37 s
